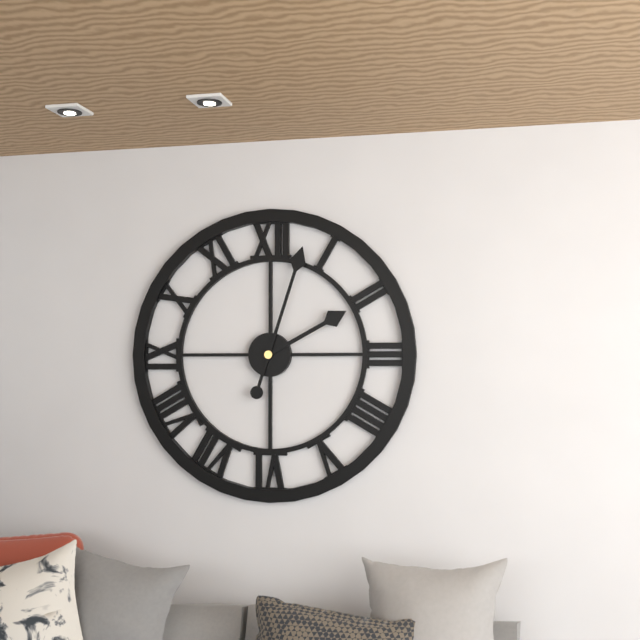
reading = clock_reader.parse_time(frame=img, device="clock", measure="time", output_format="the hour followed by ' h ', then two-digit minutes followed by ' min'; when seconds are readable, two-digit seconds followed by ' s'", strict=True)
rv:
2 h 03 min
